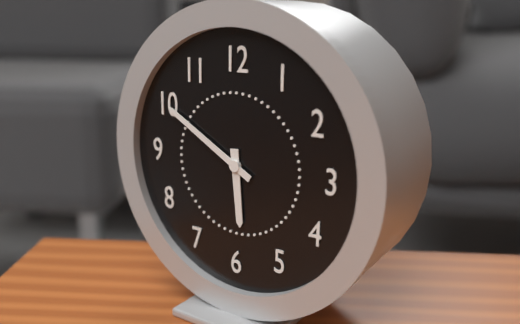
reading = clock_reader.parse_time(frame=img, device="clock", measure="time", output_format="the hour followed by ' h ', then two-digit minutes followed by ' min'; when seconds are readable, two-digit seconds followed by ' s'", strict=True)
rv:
5 h 50 min
